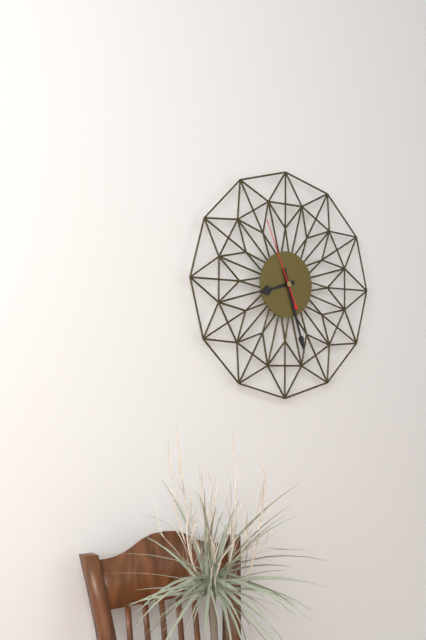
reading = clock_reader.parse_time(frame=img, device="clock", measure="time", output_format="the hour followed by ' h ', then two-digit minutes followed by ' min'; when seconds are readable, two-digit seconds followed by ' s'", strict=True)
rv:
8 h 27 min 56 s
